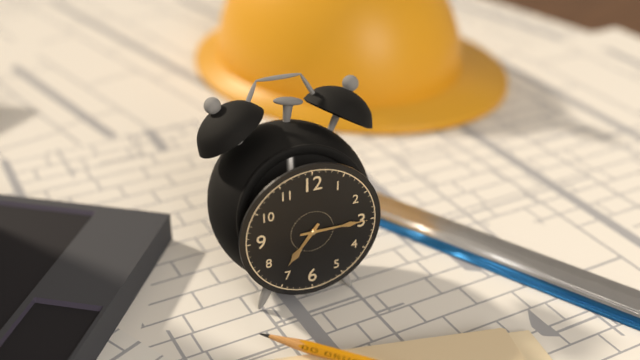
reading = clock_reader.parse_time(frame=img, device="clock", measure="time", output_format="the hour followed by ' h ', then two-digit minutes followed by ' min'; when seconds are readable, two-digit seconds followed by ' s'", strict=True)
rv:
7 h 15 min
